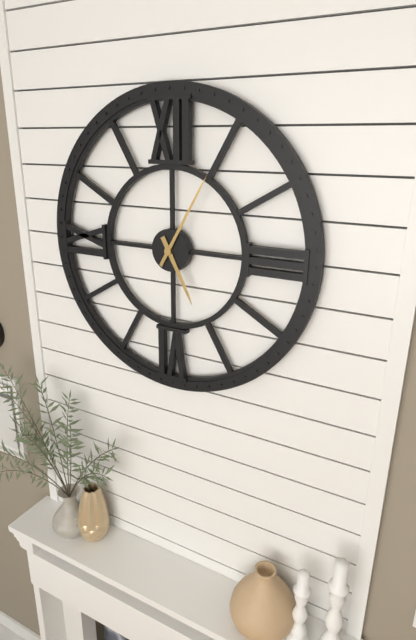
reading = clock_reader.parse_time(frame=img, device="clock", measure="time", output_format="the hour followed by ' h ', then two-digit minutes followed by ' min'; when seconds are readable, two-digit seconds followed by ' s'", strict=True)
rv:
5 h 05 min
